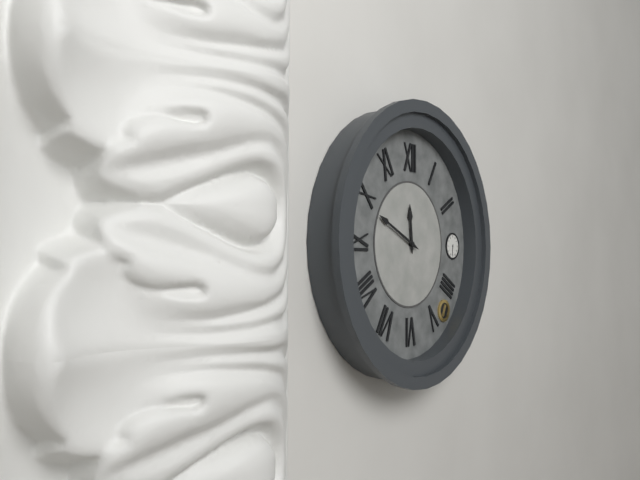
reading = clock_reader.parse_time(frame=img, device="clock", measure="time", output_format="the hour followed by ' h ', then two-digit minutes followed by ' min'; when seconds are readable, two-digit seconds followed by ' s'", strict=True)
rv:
11 h 49 min
